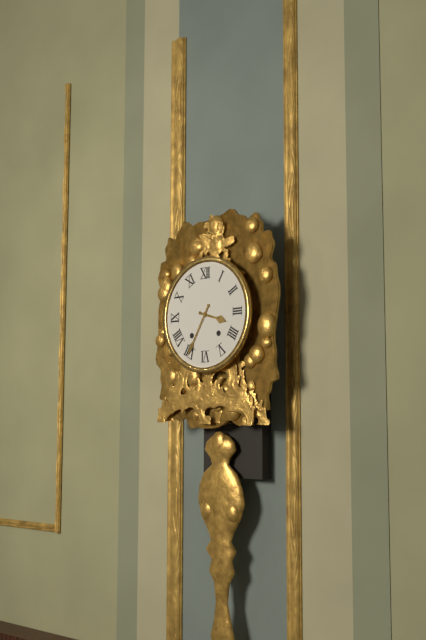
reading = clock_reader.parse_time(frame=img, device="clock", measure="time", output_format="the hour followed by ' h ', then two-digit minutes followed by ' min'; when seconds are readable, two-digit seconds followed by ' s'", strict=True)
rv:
3 h 35 min
